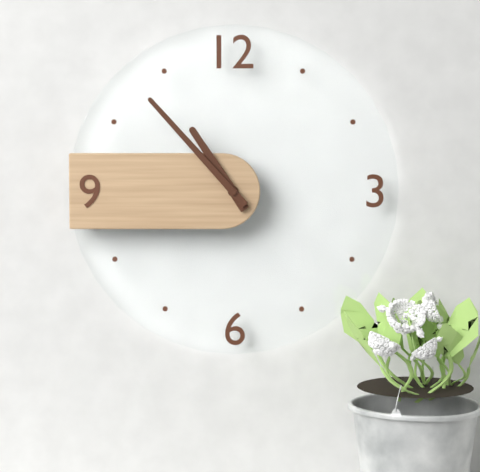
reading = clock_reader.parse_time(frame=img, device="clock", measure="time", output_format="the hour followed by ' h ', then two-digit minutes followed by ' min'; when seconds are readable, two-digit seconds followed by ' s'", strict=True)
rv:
10 h 53 min
